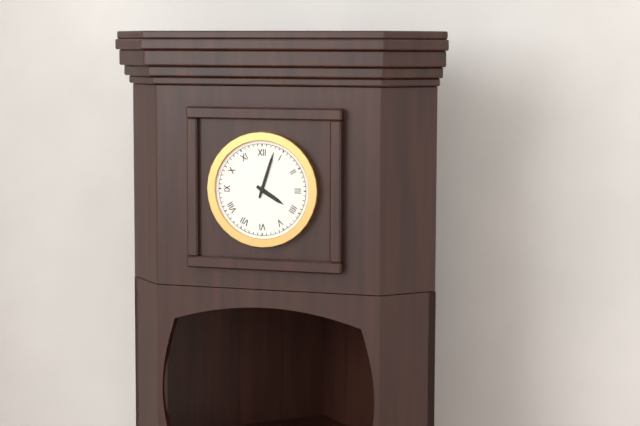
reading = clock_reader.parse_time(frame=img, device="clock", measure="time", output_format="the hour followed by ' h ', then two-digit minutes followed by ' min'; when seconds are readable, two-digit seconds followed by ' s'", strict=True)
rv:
4 h 03 min
